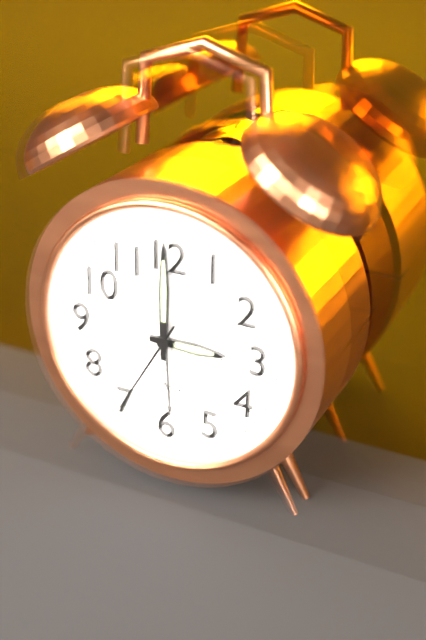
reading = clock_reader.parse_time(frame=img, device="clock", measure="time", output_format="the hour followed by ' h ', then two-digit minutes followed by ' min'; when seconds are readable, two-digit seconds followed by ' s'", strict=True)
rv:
3 h 00 min 35 s
